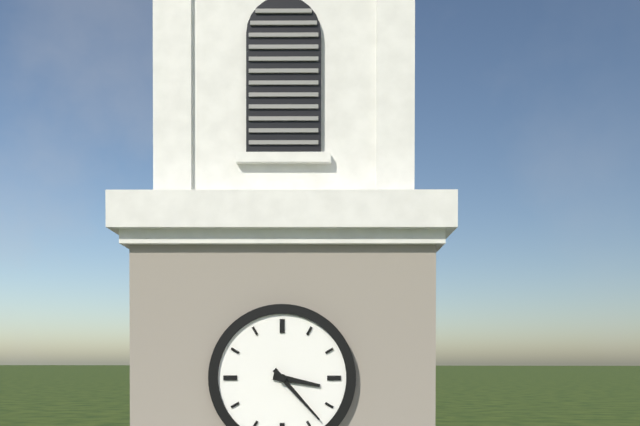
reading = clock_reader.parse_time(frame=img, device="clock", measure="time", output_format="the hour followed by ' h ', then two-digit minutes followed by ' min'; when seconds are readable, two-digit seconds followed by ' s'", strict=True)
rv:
3 h 23 min
